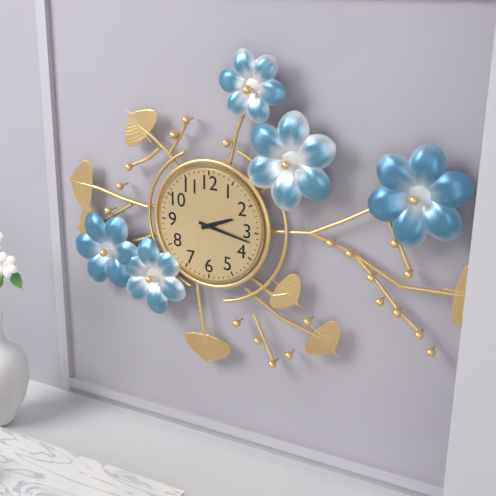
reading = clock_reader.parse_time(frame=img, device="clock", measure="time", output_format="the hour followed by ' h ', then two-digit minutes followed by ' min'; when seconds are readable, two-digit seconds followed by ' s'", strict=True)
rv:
2 h 17 min
